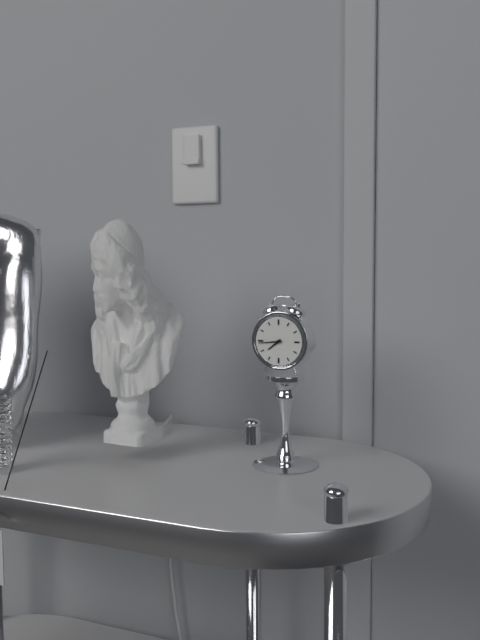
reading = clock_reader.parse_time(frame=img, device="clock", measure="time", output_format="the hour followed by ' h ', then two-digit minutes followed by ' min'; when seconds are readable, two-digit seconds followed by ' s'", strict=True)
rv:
7 h 44 min
